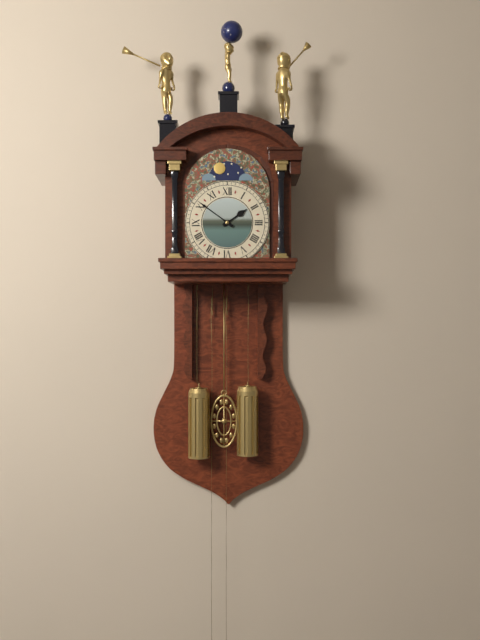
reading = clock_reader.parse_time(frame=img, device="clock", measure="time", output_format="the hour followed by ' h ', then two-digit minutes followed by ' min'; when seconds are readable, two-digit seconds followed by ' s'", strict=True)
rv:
1 h 51 min
